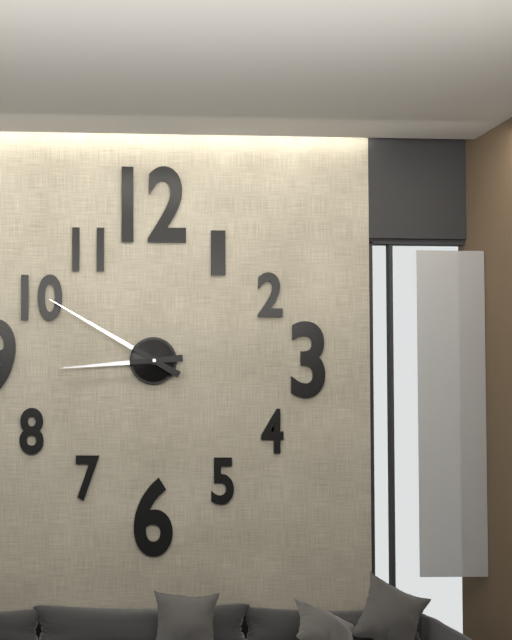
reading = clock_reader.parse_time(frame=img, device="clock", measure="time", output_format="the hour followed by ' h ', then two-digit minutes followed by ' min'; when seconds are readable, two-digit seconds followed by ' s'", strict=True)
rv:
8 h 50 min
